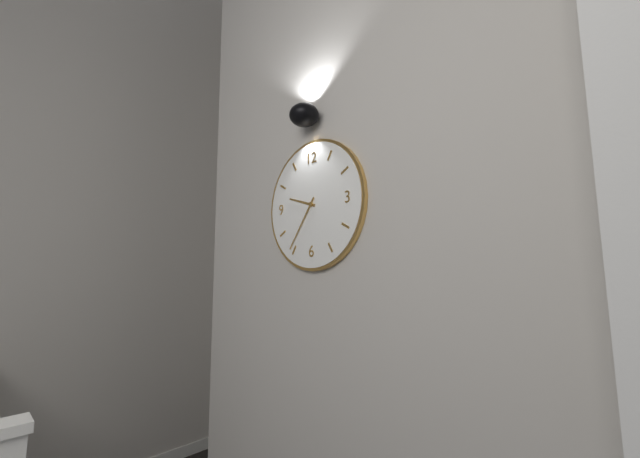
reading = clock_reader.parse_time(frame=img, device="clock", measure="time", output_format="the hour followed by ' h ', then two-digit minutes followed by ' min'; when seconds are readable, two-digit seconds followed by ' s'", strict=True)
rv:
9 h 36 min
